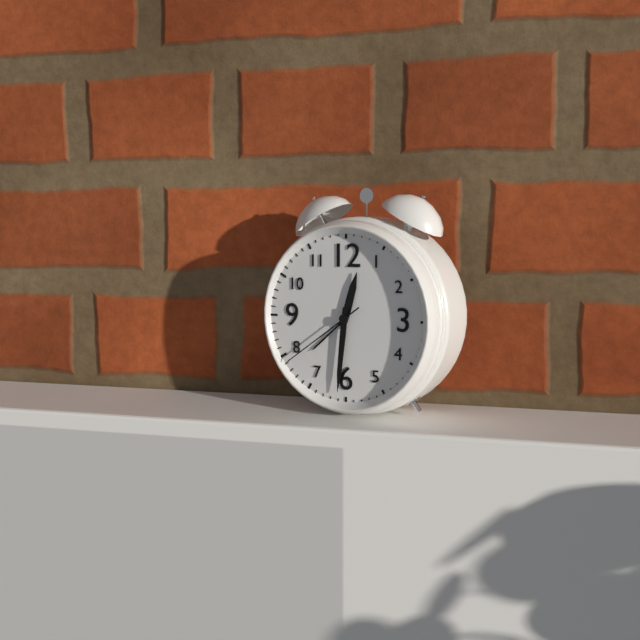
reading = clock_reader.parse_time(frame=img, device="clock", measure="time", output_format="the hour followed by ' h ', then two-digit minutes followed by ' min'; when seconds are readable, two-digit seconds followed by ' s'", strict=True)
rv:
12 h 31 min 39 s
